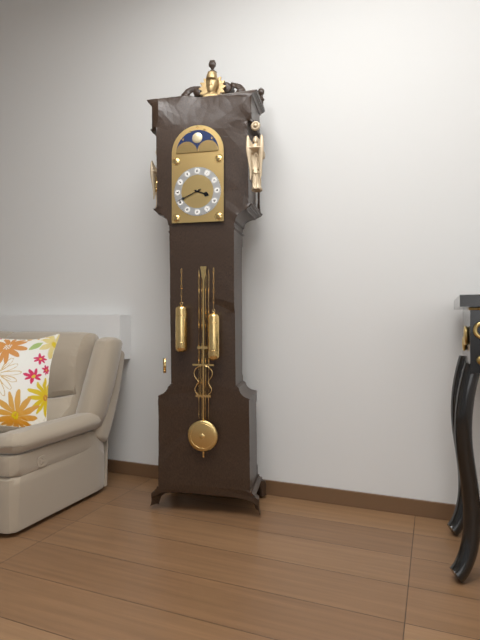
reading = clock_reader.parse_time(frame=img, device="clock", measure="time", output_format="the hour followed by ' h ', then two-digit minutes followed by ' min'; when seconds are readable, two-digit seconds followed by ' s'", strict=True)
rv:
3 h 41 min
